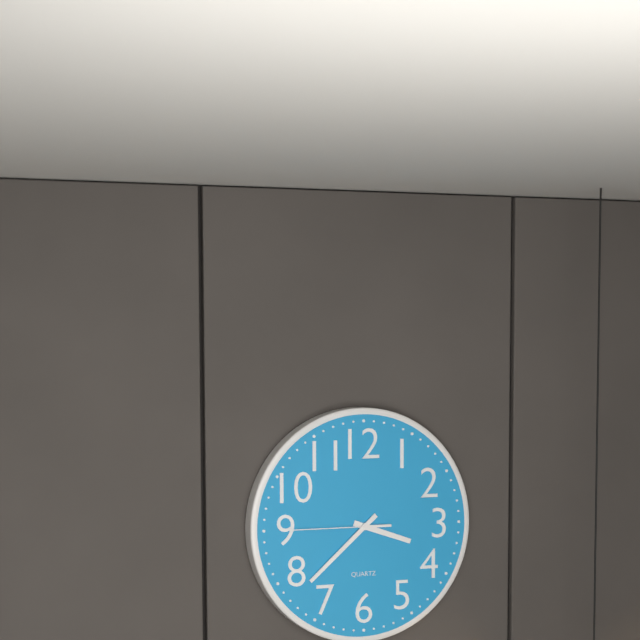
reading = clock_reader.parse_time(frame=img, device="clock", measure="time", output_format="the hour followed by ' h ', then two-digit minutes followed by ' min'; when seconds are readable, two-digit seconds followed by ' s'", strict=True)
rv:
3 h 38 min 45 s
